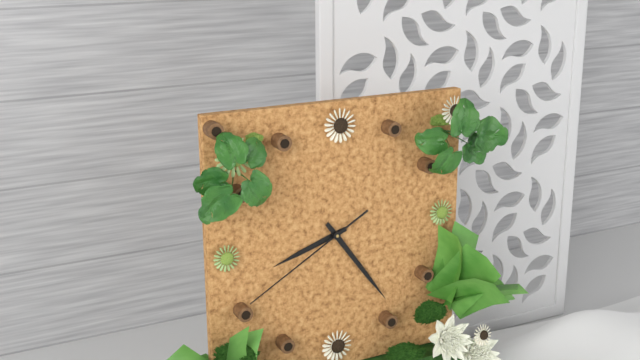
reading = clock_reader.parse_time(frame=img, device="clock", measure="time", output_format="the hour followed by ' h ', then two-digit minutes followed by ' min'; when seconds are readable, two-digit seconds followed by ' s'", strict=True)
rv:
8 h 24 min 40 s
